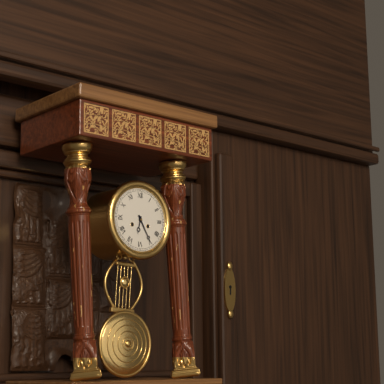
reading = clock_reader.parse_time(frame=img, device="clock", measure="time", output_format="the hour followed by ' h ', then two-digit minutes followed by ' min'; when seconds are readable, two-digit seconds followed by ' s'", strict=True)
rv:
6 h 25 min
